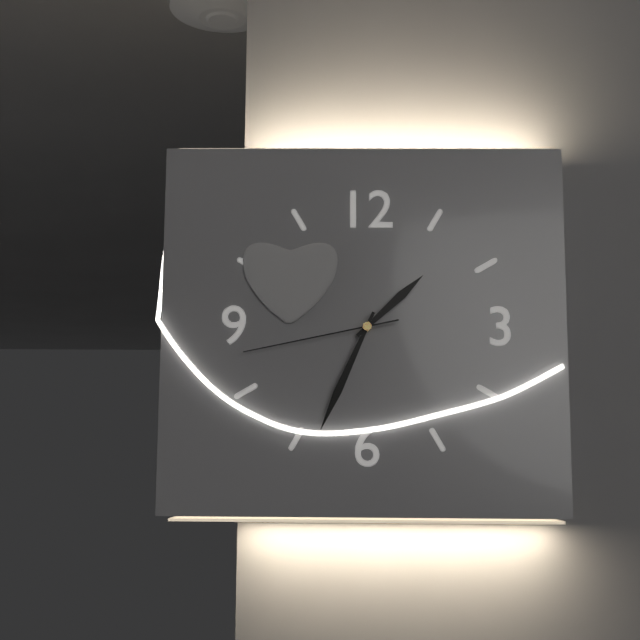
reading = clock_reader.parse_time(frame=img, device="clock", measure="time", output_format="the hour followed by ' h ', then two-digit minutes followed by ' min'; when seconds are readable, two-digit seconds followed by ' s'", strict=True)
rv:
1 h 34 min 43 s
